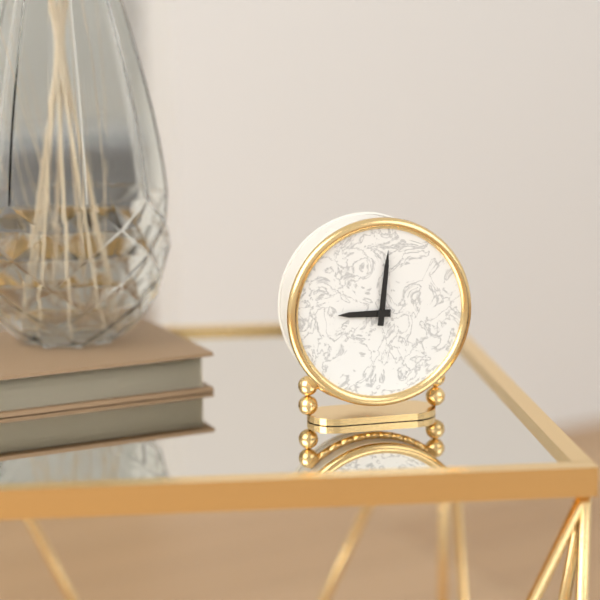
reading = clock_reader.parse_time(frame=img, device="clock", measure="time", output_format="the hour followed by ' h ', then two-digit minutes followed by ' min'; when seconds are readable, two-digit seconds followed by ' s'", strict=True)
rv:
9 h 01 min
